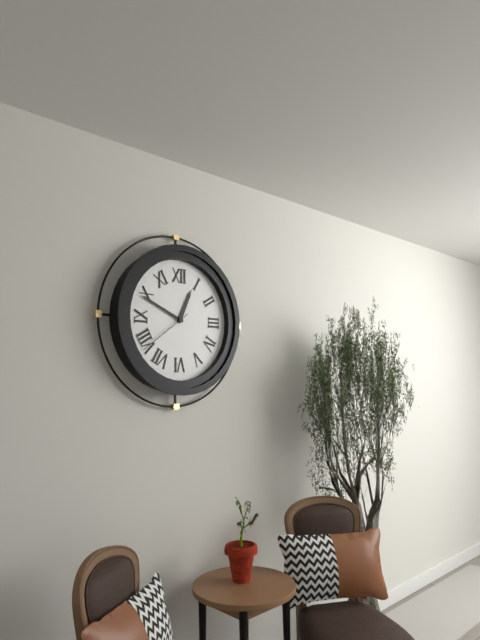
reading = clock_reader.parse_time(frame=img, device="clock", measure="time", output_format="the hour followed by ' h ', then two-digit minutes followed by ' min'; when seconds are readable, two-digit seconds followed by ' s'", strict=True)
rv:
12 h 49 min 39 s
